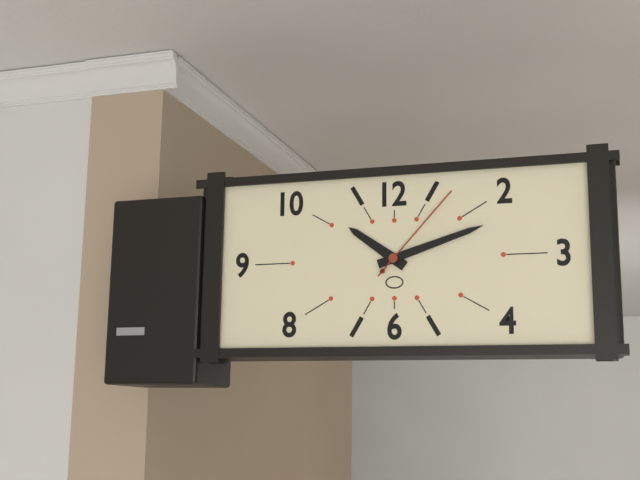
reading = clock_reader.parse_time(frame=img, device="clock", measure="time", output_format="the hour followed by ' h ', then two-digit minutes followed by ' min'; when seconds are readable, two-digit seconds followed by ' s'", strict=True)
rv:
10 h 12 min 07 s
